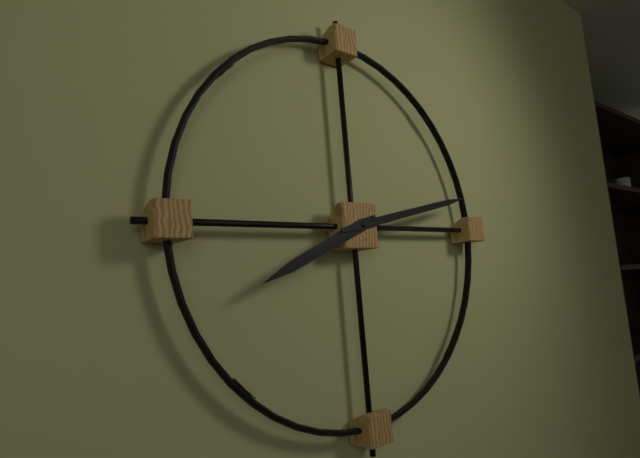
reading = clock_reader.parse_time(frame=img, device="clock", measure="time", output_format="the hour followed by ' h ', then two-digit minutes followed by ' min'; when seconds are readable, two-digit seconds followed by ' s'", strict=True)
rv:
8 h 13 min
